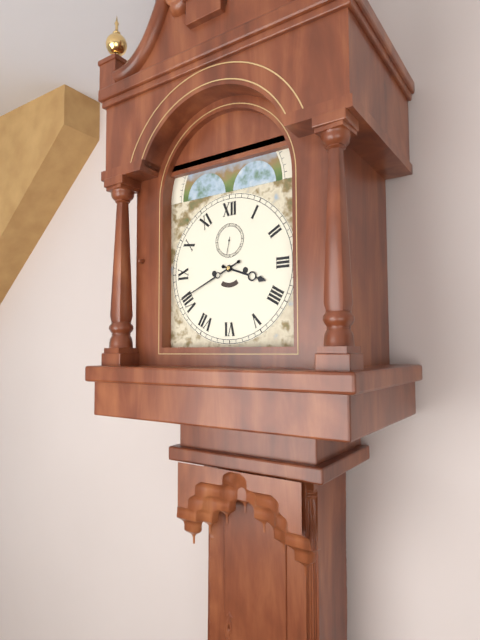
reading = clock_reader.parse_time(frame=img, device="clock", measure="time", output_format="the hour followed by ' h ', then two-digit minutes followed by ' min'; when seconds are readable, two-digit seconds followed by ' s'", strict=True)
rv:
3 h 41 min
